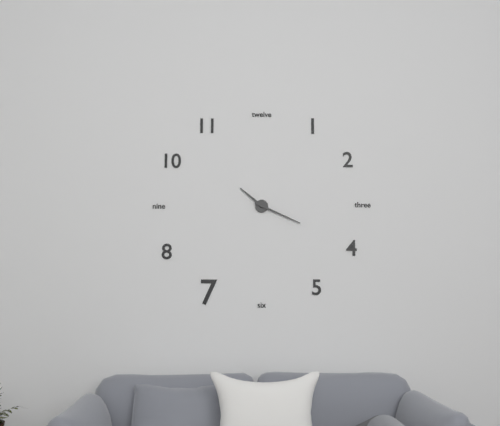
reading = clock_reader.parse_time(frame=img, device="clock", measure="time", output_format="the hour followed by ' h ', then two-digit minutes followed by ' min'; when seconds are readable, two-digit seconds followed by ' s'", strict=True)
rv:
10 h 19 min
